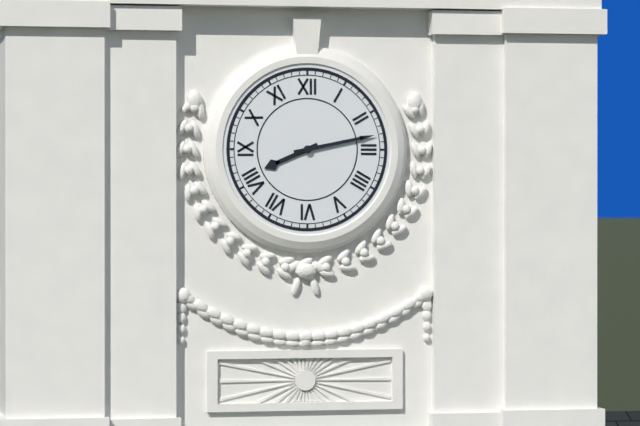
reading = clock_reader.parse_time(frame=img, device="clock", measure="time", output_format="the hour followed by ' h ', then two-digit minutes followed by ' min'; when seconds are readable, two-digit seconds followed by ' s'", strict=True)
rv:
8 h 13 min
